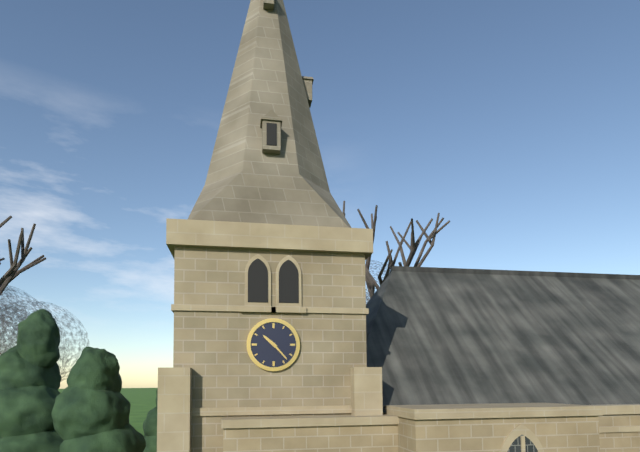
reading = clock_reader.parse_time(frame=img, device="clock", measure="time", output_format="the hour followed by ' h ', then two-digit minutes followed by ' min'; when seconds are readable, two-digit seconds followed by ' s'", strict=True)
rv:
10 h 23 min
